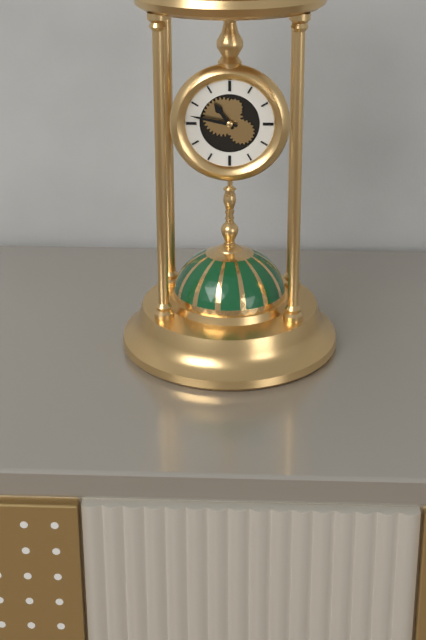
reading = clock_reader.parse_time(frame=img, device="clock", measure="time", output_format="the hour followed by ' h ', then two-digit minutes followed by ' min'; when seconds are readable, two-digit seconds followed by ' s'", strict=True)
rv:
10 h 47 min
